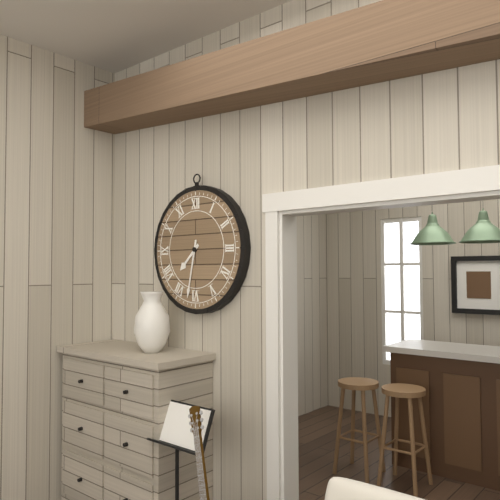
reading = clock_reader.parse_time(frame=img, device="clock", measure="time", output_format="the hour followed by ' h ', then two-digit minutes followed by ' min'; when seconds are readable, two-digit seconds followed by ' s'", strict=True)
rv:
7 h 32 min
